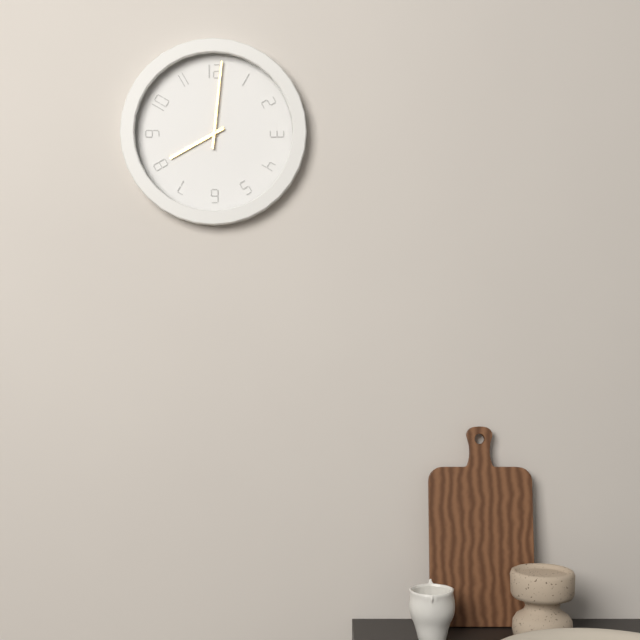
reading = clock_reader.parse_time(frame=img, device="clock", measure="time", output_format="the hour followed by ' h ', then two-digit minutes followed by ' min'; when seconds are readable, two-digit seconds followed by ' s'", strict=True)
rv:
8 h 01 min
